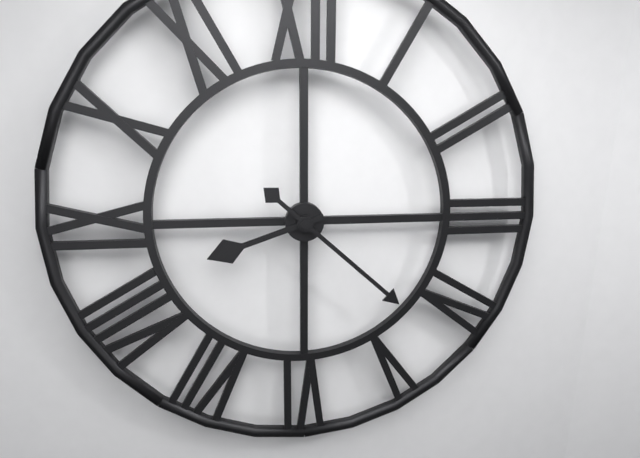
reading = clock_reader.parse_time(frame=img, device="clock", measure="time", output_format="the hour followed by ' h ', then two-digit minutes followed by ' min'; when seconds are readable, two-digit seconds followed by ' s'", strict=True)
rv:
8 h 22 min
